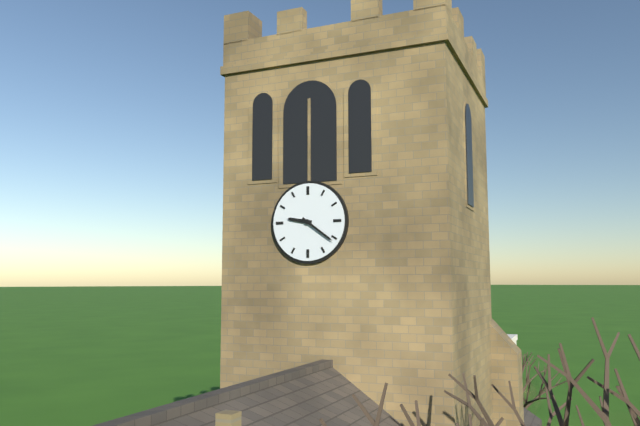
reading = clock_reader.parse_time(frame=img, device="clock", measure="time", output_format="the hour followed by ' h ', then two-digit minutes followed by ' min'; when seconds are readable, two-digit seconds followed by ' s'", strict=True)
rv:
9 h 21 min
